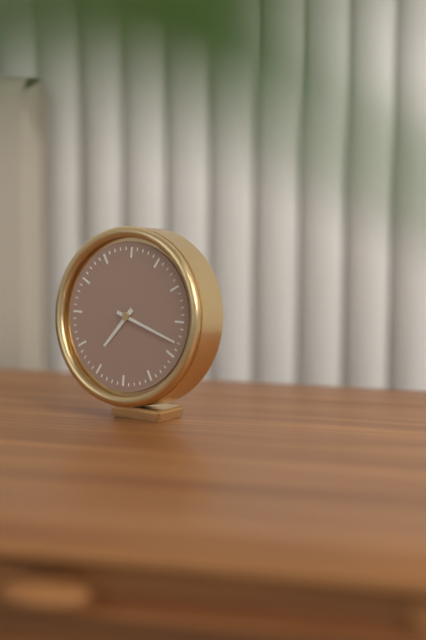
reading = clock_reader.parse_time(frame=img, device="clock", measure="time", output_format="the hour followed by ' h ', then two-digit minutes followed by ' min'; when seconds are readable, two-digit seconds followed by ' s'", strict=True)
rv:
7 h 18 min
